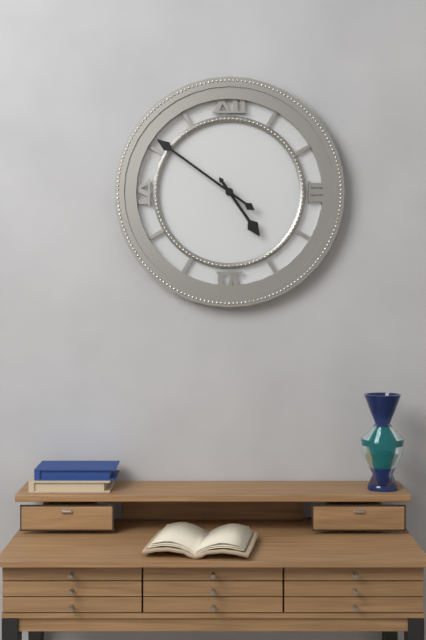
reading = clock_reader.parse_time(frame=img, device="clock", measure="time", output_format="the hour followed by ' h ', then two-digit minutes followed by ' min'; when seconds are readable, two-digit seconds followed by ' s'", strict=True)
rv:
4 h 51 min
